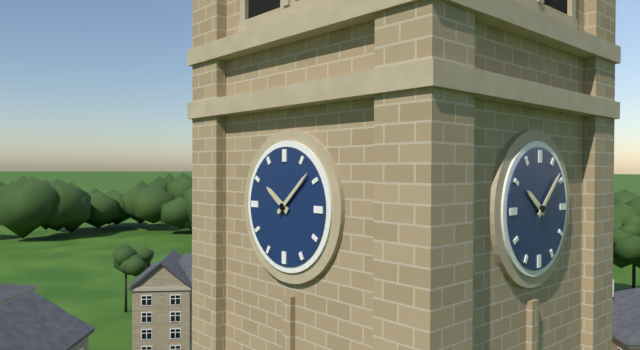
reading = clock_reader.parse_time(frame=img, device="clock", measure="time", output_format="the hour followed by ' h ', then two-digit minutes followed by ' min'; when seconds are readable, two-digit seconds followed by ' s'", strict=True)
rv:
10 h 08 min
